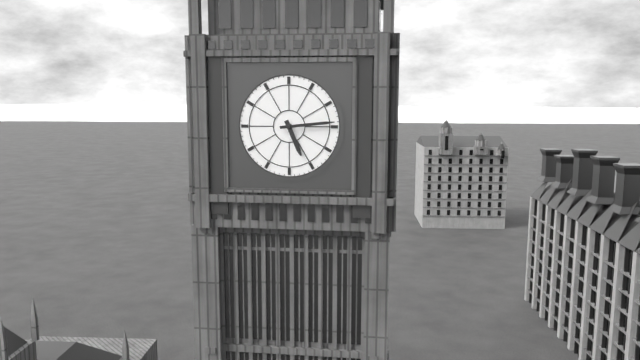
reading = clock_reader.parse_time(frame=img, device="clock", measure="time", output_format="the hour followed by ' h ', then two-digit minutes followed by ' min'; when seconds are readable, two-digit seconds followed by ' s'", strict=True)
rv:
5 h 14 min
